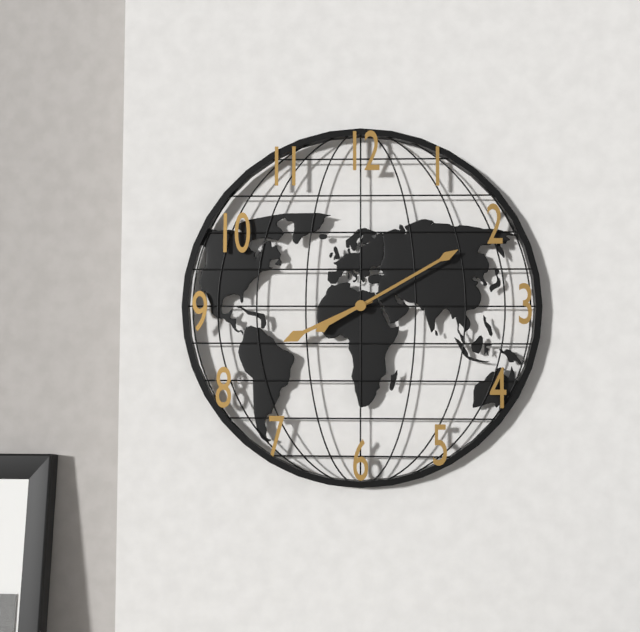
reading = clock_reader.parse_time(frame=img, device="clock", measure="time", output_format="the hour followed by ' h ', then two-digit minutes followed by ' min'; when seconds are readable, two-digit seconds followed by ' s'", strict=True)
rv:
8 h 10 min
